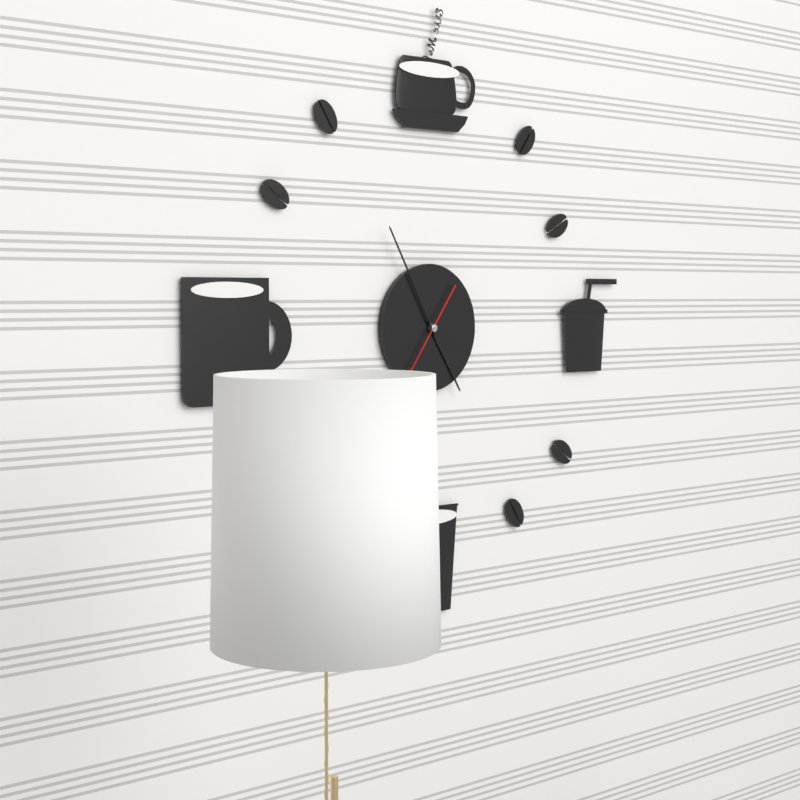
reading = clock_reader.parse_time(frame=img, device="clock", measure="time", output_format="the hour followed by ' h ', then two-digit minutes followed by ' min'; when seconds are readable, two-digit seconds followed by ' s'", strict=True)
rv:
4 h 55 min
